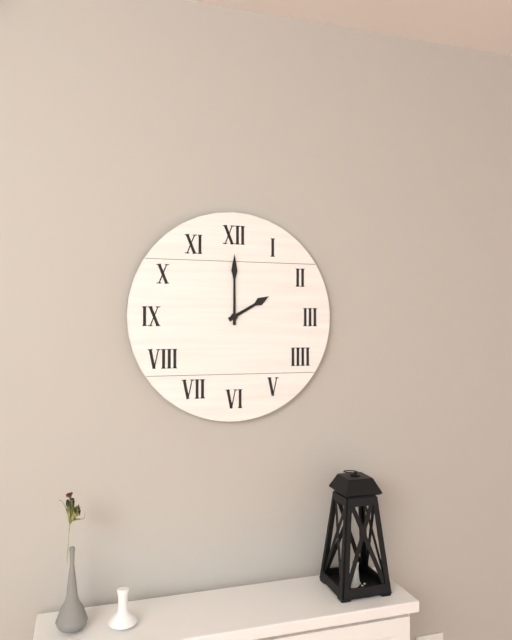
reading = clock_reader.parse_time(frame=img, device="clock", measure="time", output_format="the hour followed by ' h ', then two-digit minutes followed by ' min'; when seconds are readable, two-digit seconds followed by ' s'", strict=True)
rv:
2 h 00 min
